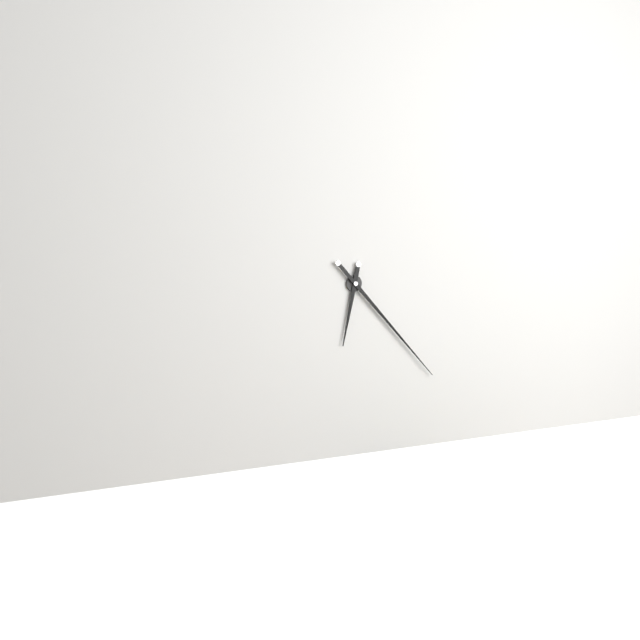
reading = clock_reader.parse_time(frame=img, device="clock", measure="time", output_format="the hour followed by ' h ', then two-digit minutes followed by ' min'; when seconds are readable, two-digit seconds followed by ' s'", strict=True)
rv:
6 h 23 min
